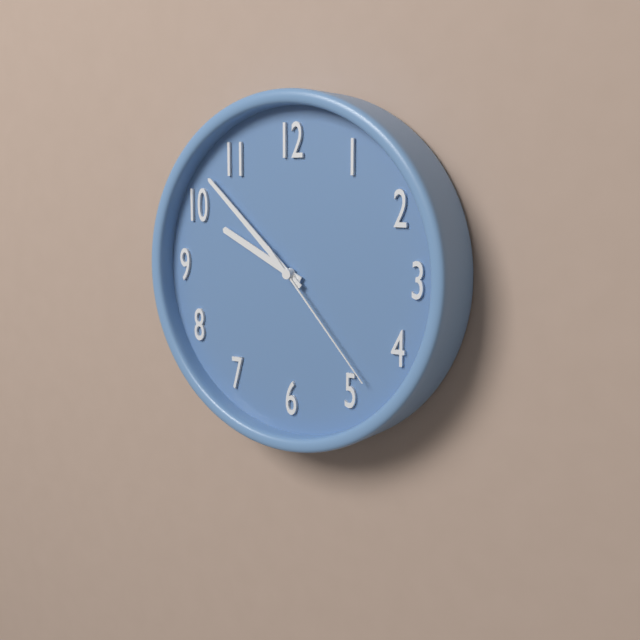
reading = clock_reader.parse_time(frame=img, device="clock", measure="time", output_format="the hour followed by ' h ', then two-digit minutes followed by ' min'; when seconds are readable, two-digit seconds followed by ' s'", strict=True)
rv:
9 h 52 min 23 s
